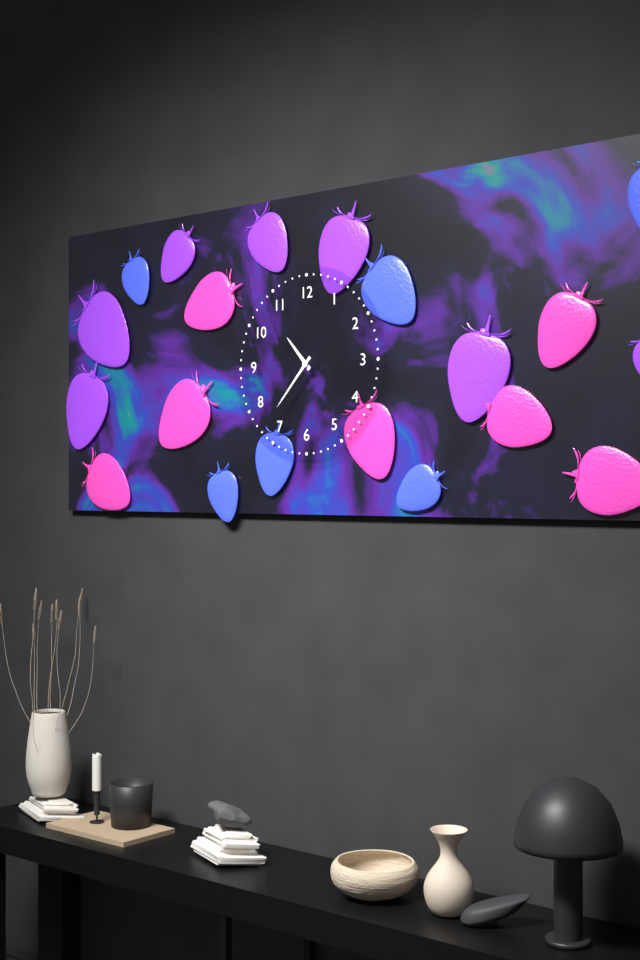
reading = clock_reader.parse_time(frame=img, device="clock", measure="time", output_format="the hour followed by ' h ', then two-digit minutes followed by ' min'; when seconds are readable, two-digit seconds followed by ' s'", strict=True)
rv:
10 h 37 min
